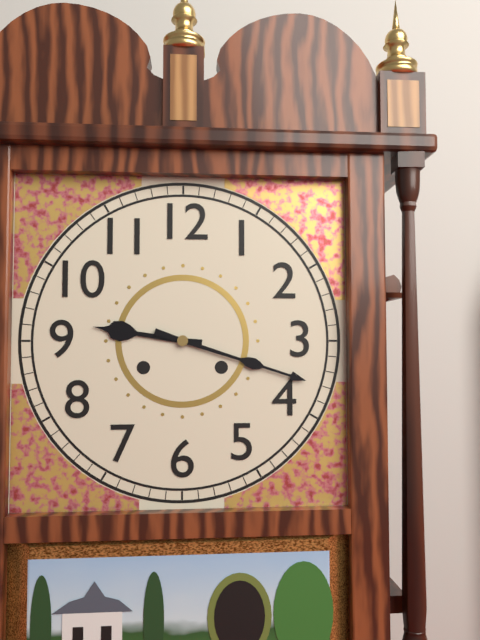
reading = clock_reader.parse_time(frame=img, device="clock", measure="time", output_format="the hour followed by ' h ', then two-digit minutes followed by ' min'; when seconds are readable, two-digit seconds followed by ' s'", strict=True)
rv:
9 h 18 min
